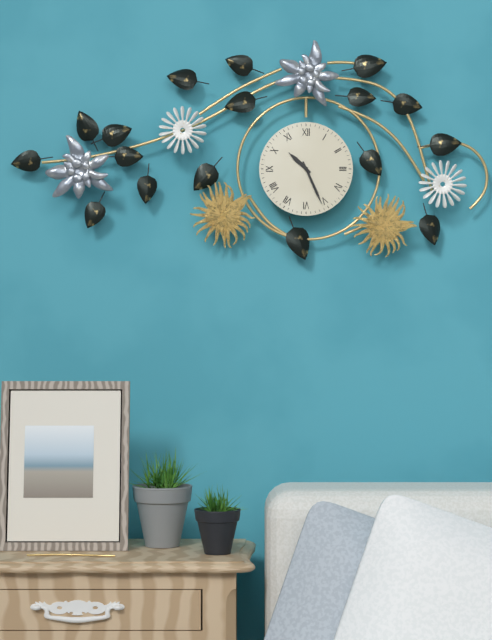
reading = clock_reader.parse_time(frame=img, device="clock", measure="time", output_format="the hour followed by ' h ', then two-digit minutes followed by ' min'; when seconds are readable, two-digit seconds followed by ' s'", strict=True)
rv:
10 h 26 min
